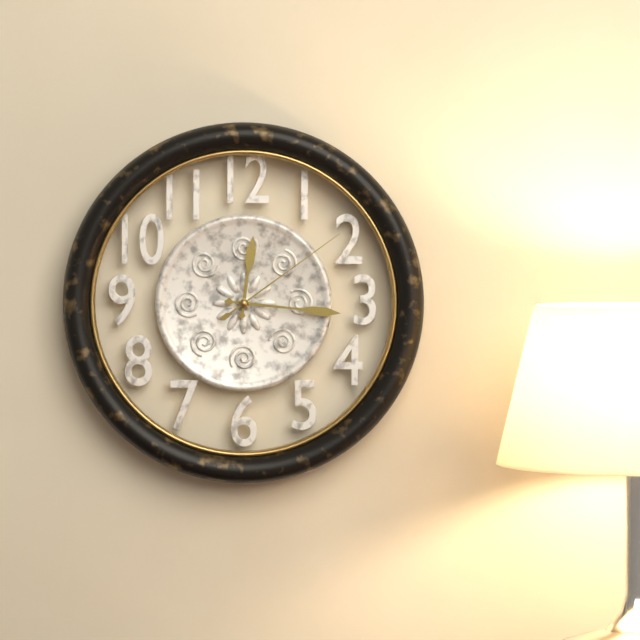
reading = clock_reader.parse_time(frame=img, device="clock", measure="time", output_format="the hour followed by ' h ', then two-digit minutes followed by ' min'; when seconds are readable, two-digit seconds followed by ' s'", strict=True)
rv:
12 h 16 min 09 s
